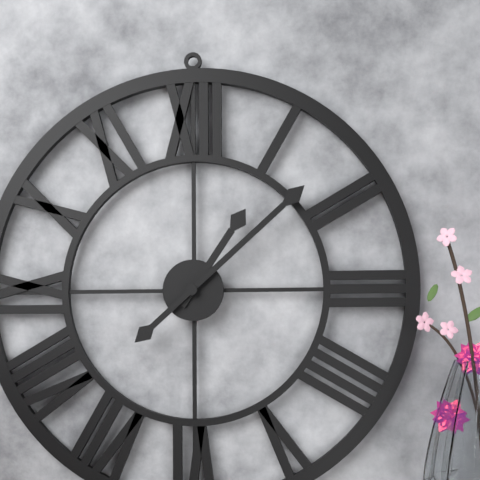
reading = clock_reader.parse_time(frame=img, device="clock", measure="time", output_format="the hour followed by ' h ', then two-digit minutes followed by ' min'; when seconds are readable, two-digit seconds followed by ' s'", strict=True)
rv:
1 h 08 min
